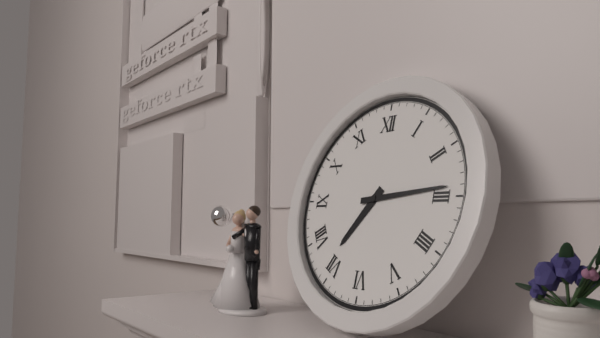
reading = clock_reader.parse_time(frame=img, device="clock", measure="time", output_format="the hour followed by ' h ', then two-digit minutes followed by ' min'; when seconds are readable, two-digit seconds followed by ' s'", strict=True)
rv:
7 h 14 min
